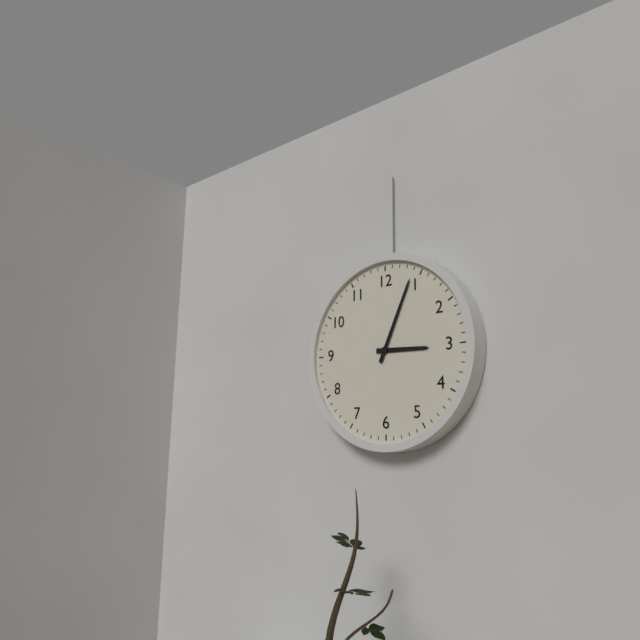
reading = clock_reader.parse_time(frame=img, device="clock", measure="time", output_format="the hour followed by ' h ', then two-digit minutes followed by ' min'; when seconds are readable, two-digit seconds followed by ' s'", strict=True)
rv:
3 h 04 min
